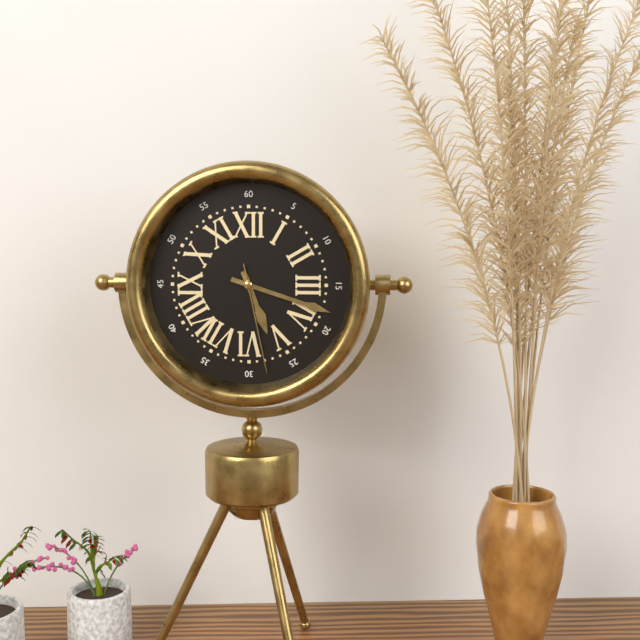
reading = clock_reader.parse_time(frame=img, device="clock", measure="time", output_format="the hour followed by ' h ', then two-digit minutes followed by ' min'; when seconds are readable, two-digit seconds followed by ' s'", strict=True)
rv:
5 h 18 min 28 s
